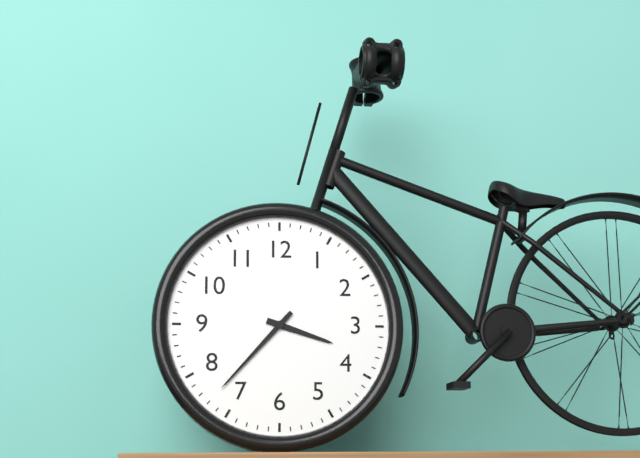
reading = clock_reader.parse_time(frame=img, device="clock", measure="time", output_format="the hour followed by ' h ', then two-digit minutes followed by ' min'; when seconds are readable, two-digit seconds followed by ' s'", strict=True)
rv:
3 h 37 min
